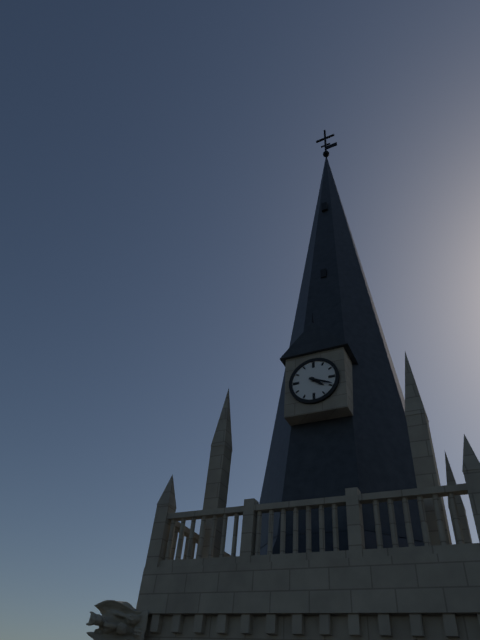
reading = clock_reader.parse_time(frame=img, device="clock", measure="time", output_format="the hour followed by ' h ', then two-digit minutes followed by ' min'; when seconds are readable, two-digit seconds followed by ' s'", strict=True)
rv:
4 h 19 min
